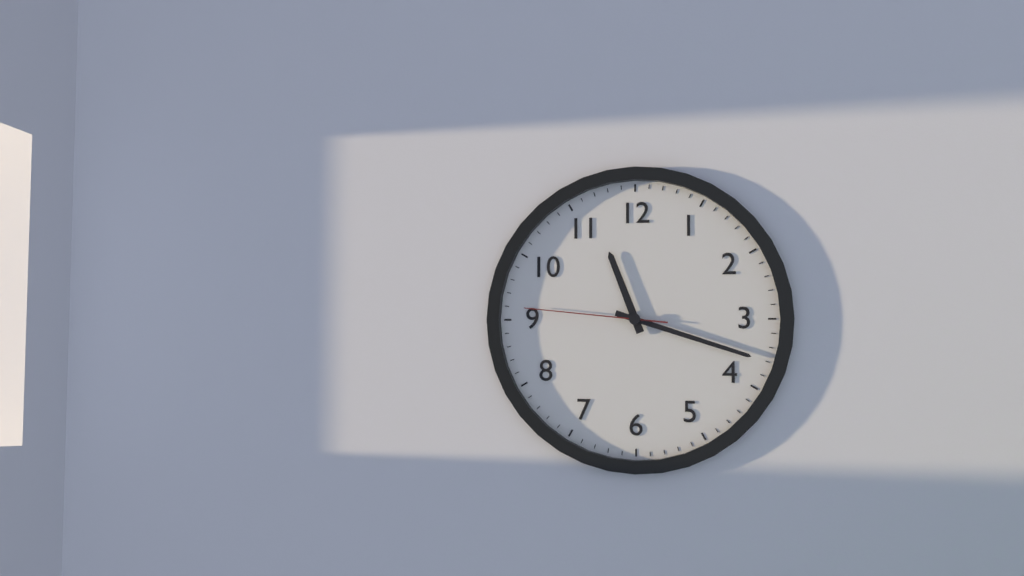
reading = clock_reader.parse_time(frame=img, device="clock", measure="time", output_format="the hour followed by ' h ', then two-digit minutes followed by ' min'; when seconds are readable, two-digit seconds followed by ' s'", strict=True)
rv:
11 h 18 min 46 s
